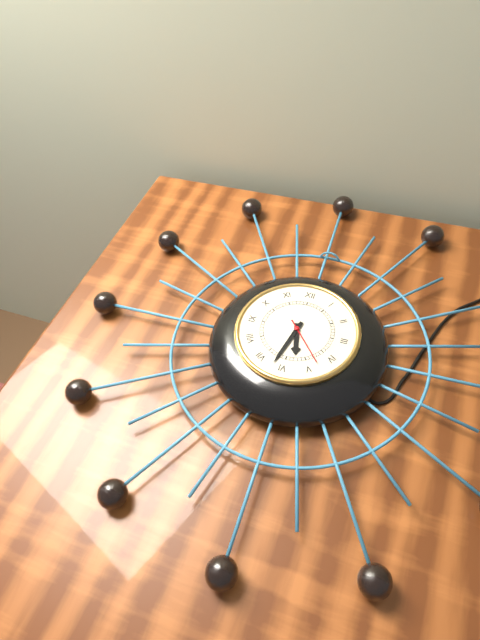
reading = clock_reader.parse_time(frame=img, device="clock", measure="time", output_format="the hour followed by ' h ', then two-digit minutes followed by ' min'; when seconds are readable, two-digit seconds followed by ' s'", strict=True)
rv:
5 h 32 min
